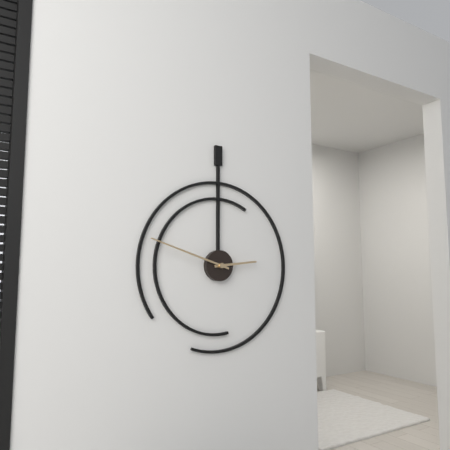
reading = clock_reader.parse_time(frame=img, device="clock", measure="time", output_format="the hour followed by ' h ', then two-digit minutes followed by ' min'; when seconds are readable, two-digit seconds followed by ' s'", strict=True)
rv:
2 h 48 min
